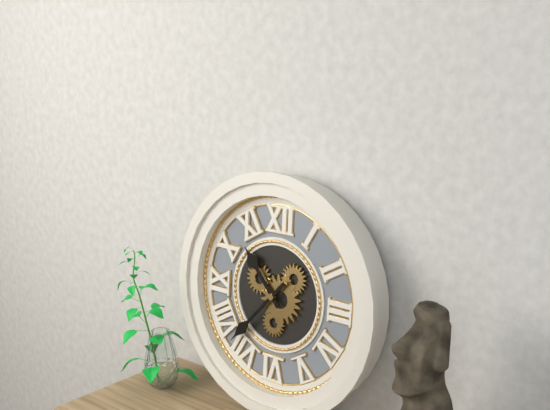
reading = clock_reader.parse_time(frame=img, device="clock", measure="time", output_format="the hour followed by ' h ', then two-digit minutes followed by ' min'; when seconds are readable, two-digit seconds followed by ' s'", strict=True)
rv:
10 h 37 min
